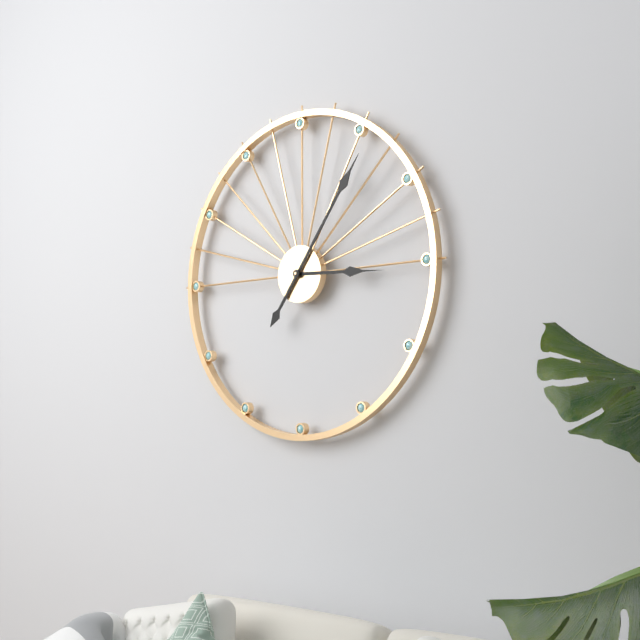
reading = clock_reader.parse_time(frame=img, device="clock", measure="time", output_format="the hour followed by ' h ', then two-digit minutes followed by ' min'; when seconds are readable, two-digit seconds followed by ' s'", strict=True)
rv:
3 h 06 min
